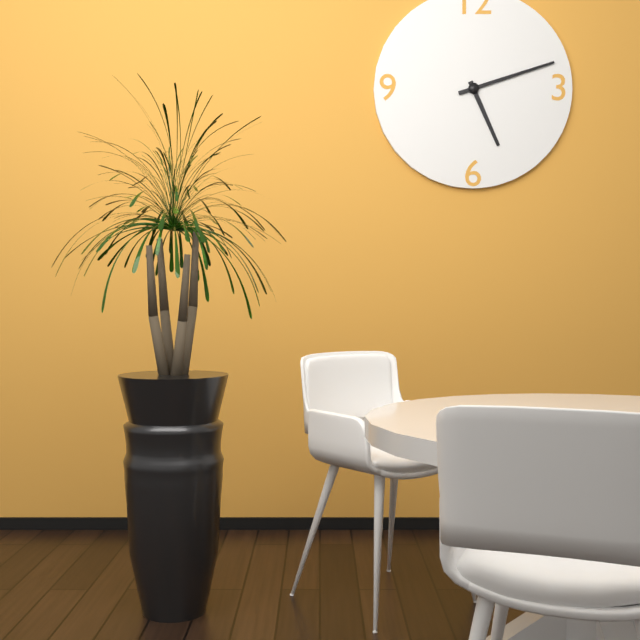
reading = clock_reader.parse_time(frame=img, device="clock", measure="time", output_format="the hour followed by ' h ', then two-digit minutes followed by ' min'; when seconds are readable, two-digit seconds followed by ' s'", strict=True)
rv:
5 h 12 min
